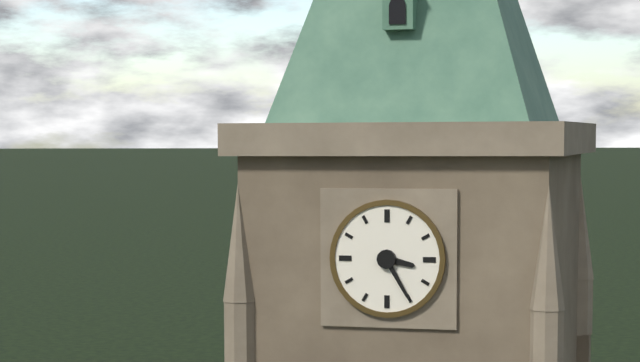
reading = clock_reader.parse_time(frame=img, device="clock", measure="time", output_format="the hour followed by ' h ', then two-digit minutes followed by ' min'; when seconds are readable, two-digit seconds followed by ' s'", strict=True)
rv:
3 h 25 min
